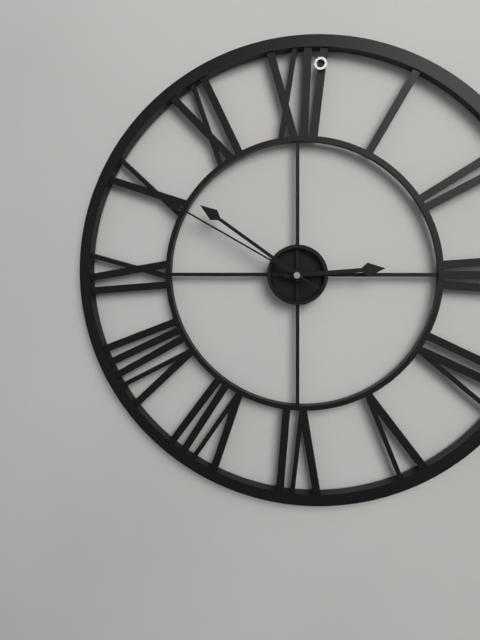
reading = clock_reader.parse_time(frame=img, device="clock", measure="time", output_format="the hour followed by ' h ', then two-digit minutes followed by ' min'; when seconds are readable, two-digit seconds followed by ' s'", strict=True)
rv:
2 h 51 min 50 s
